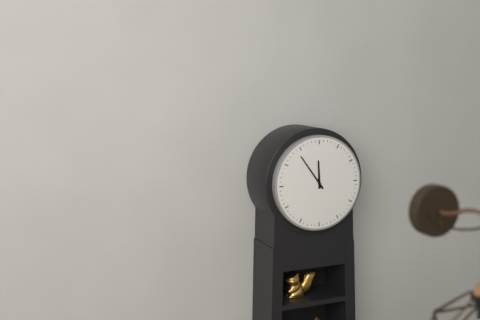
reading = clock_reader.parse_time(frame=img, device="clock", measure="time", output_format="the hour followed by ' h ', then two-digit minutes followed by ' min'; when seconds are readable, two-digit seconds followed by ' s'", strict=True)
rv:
11 h 54 min
